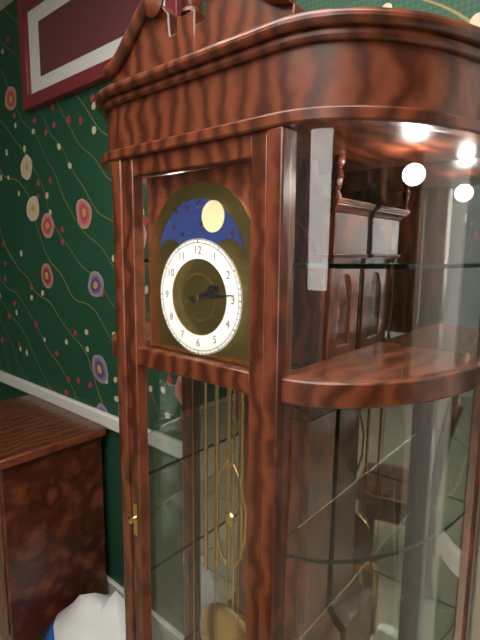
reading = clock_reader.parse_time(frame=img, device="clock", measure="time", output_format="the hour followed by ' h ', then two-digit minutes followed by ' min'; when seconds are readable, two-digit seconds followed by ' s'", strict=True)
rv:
2 h 14 min
